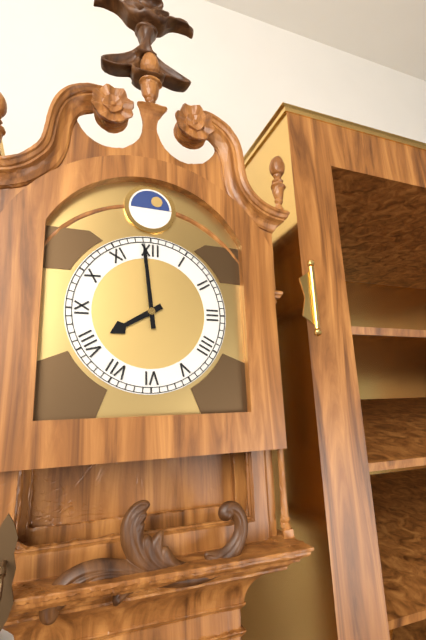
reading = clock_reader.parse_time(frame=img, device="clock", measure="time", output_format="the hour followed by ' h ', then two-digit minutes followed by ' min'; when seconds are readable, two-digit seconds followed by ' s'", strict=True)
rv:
7 h 59 min
